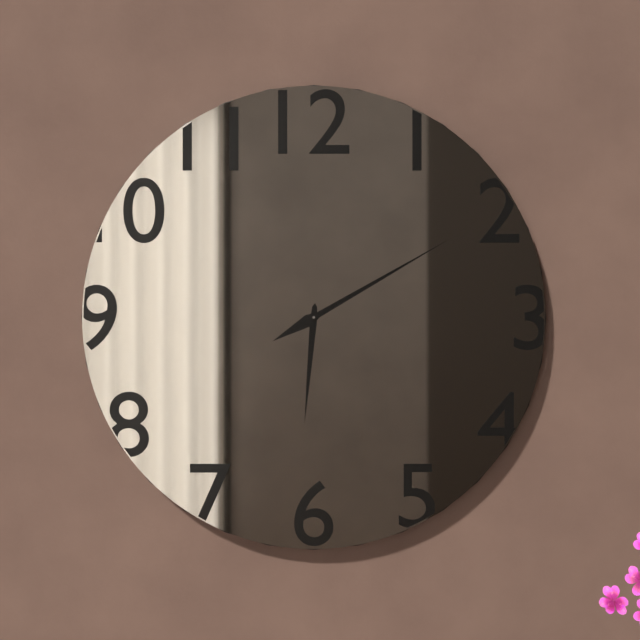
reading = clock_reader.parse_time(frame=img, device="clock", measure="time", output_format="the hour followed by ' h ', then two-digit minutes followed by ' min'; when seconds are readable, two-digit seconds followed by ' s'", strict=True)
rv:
6 h 10 min
